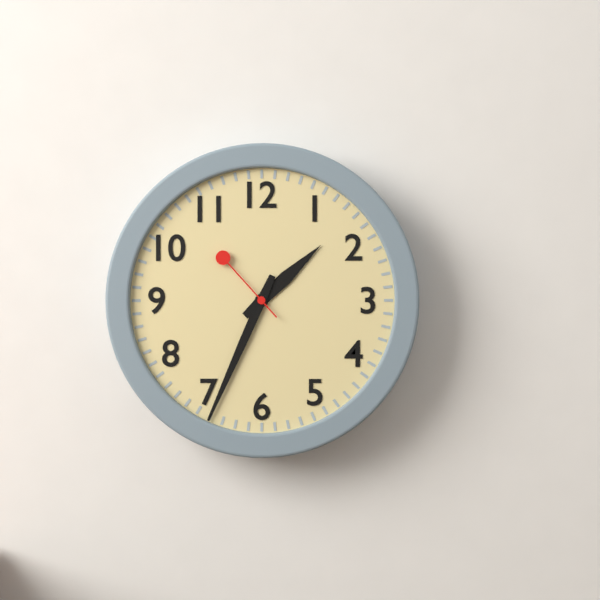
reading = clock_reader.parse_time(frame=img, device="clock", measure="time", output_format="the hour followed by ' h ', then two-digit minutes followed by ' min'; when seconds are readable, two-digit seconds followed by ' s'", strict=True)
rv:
1 h 34 min 53 s
